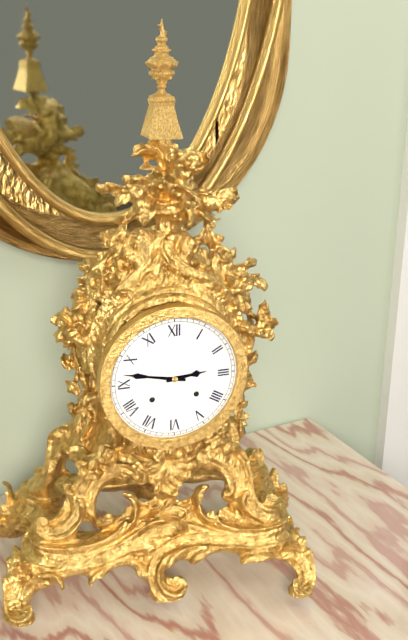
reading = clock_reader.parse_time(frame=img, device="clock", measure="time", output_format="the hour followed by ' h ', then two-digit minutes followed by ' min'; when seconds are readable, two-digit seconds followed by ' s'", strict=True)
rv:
2 h 47 min
